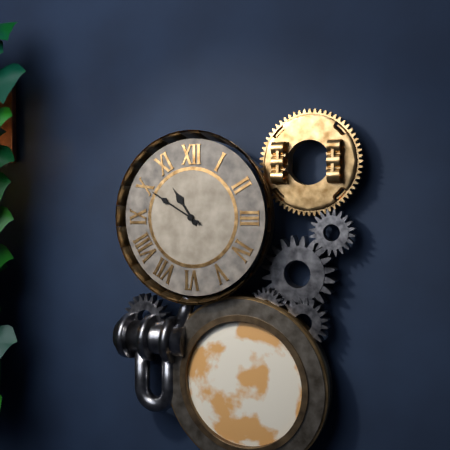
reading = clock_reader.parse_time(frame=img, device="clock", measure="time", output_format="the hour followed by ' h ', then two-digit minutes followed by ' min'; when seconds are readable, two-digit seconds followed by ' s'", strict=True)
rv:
10 h 50 min
